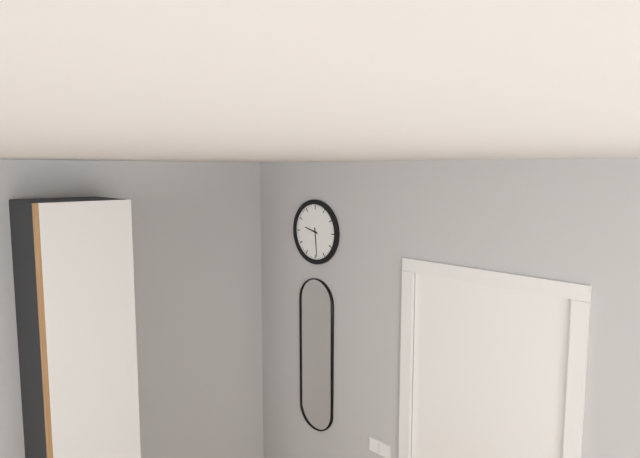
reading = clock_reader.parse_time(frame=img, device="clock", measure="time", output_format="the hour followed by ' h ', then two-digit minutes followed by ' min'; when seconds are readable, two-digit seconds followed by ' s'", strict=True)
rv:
9 h 29 min
